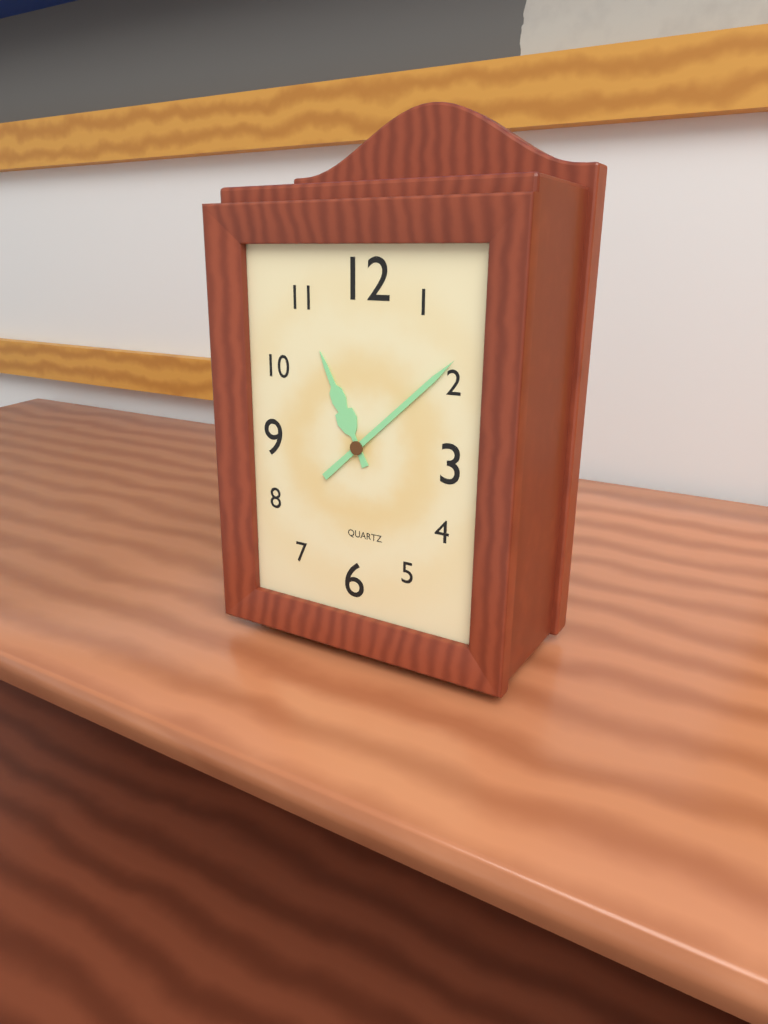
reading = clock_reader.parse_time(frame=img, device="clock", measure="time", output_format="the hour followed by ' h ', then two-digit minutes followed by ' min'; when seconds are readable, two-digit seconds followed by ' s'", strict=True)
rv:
11 h 08 min
